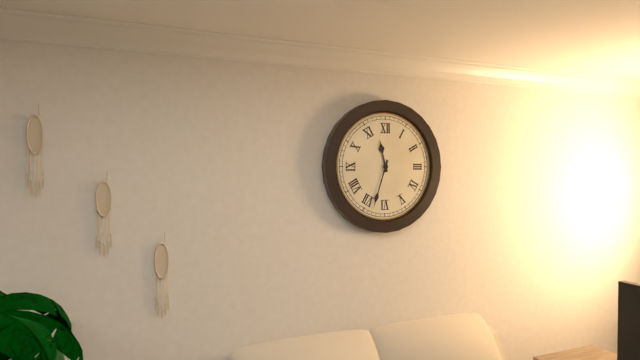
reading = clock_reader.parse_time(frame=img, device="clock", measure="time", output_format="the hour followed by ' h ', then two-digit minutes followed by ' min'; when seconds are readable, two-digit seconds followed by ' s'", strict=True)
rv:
11 h 33 min
